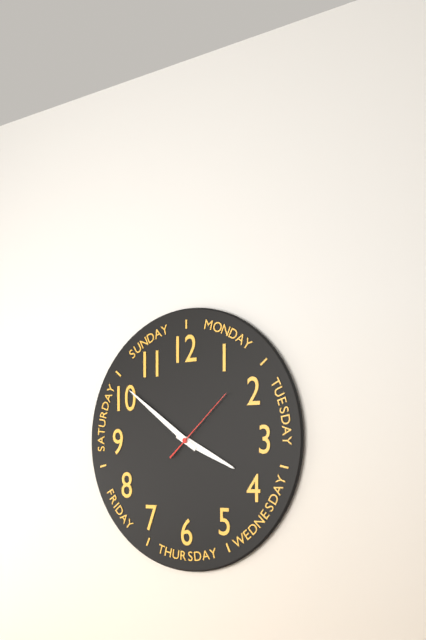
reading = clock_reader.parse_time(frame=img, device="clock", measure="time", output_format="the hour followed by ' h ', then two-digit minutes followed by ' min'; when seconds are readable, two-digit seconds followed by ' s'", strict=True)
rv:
3 h 51 min 08 s
